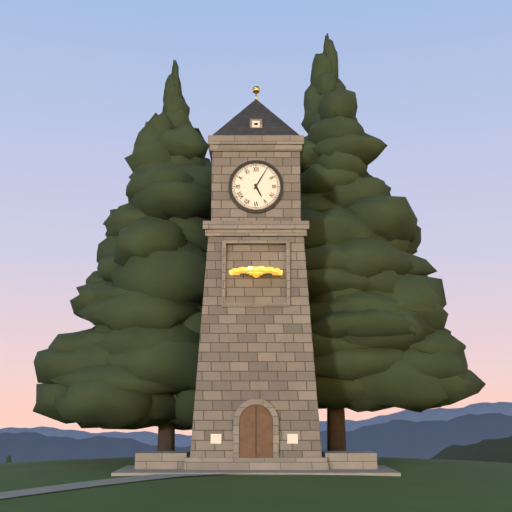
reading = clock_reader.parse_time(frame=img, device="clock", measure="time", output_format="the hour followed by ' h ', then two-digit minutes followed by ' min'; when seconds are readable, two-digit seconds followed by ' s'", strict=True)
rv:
5 h 05 min
